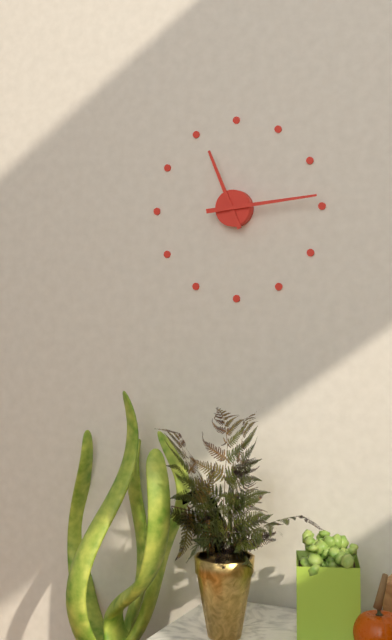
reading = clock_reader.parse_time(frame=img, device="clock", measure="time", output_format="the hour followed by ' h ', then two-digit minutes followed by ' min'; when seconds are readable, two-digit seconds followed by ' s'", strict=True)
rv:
11 h 14 min
